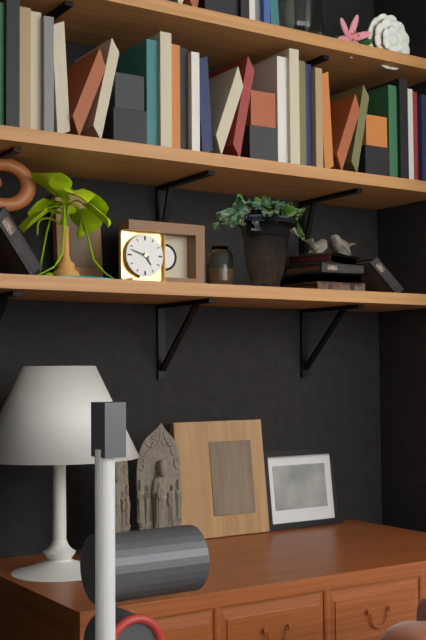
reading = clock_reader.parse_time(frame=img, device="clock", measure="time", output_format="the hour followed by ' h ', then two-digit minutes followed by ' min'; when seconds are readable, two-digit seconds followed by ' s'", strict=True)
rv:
4 h 48 min
